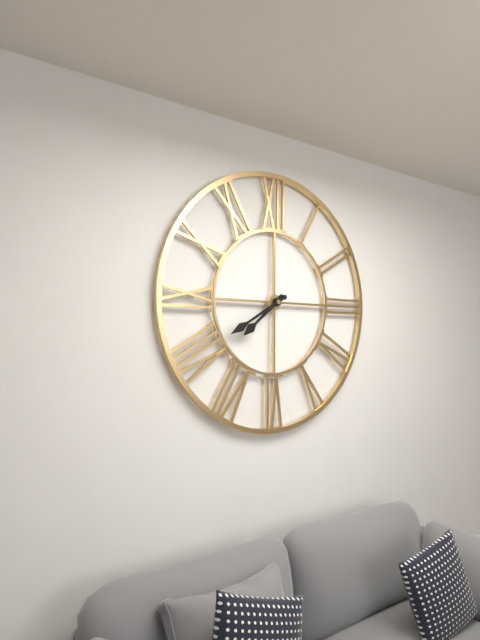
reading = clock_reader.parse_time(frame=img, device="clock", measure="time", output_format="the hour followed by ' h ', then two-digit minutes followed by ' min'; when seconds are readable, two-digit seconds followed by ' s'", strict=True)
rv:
7 h 40 min
